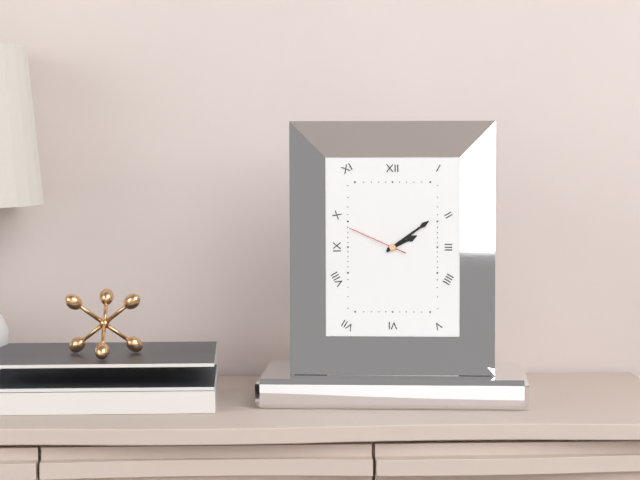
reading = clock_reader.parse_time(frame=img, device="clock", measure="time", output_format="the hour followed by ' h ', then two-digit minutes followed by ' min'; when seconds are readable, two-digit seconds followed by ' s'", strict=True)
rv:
2 h 09 min 49 s
